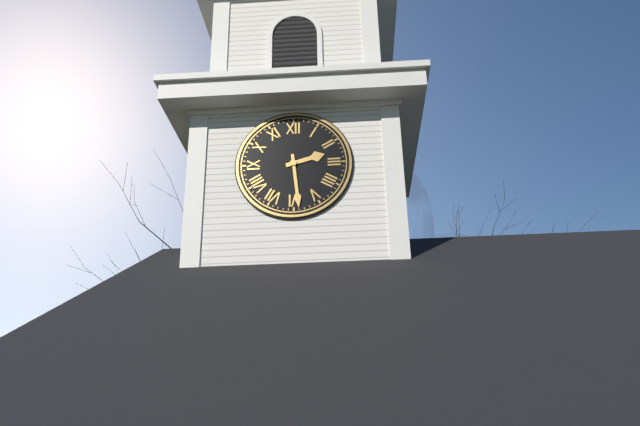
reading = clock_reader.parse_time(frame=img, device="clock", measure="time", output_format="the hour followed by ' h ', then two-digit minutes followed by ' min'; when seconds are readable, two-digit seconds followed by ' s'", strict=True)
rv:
2 h 29 min
